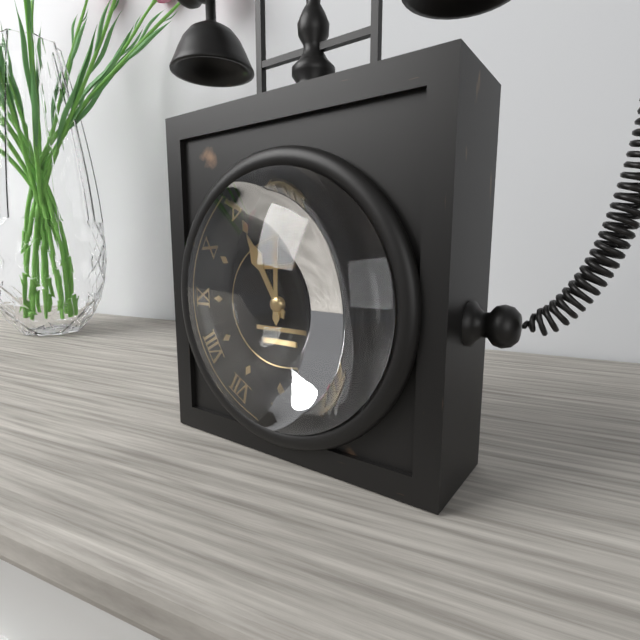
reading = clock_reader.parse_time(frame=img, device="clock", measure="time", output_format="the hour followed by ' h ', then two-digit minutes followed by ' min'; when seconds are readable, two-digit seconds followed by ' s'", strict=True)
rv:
11 h 00 min
